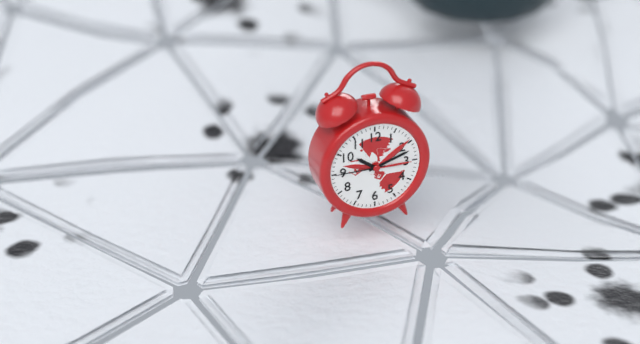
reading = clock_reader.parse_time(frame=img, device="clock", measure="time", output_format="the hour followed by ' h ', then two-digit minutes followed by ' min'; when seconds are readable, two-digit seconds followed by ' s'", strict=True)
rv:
10 h 12 min 45 s
